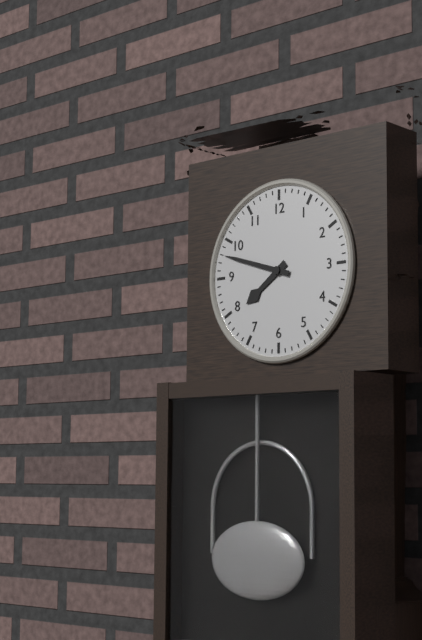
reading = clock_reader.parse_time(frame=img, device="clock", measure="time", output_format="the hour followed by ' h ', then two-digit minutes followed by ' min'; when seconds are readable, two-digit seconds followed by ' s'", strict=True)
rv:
7 h 48 min
